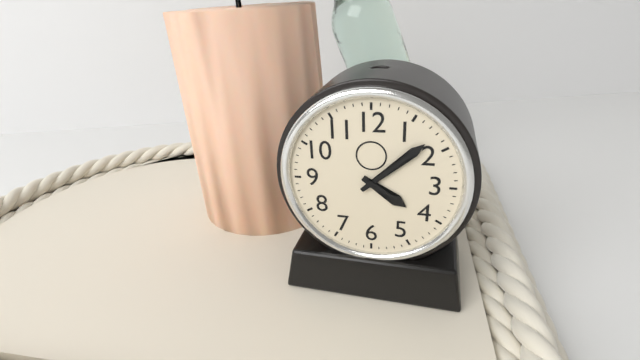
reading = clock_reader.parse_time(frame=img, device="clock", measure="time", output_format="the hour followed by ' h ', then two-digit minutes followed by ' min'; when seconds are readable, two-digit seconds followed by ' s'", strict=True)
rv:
4 h 08 min
